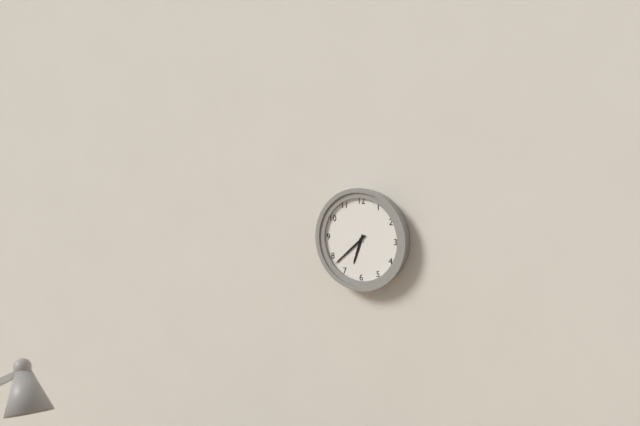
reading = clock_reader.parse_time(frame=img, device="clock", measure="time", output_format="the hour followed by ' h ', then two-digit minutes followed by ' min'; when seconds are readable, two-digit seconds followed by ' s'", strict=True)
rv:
6 h 38 min
